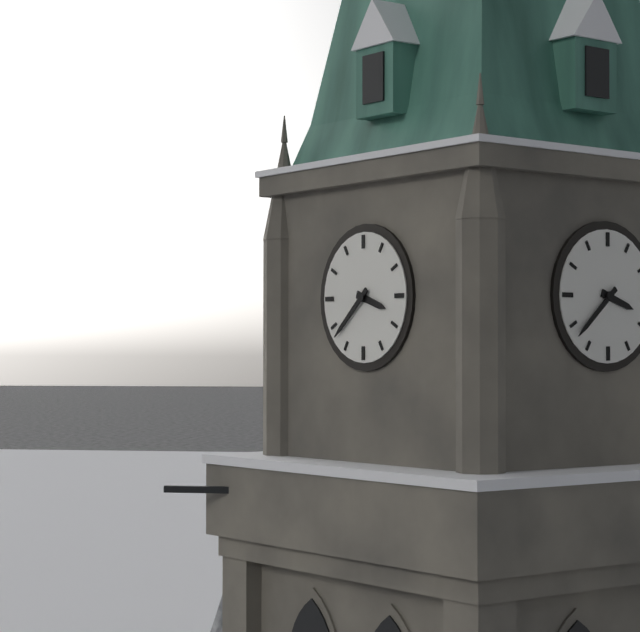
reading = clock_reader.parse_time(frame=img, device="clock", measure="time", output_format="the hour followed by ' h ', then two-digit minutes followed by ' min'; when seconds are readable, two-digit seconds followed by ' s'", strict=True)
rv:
3 h 38 min
